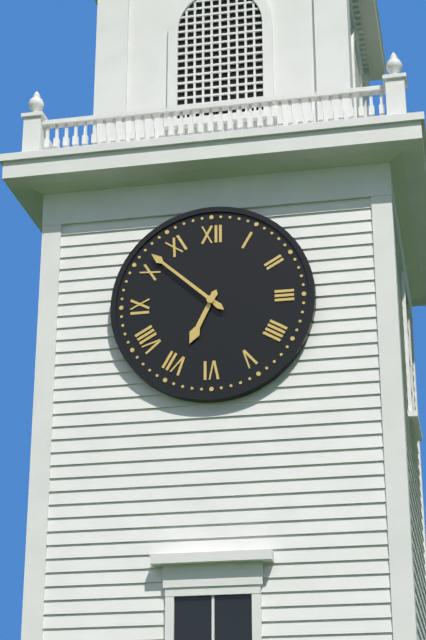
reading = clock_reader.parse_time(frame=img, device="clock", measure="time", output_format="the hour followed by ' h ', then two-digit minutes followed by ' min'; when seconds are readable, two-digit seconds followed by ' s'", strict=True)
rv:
6 h 52 min
